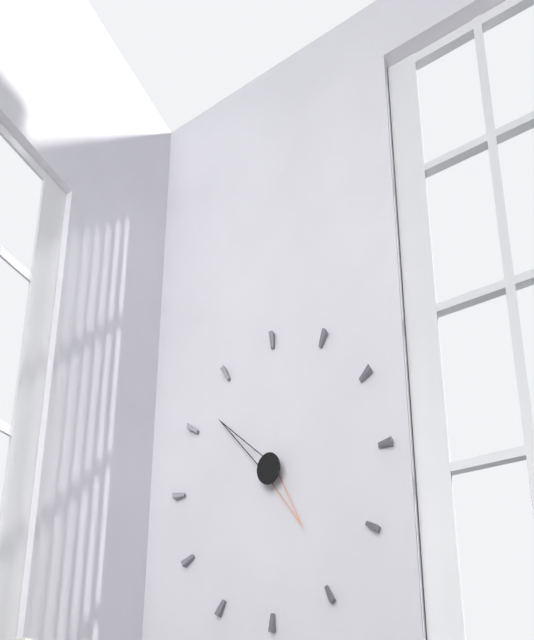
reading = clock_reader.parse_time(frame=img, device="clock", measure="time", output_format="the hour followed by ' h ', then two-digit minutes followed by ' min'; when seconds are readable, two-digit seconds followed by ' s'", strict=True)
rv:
4 h 52 min
